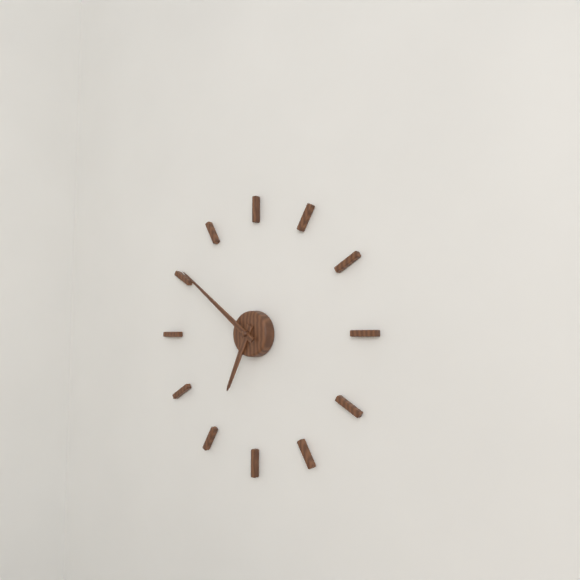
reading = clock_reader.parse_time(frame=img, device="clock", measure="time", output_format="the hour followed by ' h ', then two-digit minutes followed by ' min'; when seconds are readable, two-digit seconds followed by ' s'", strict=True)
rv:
6 h 51 min
